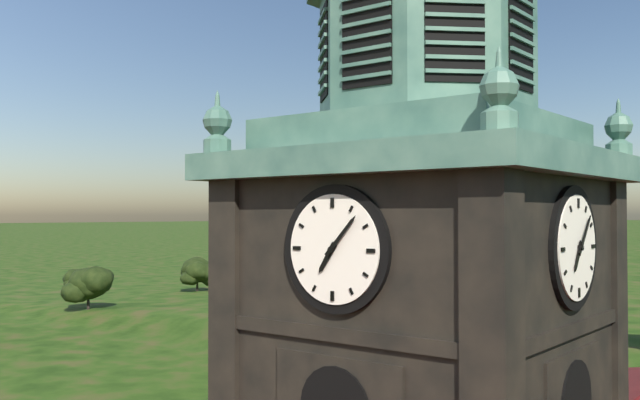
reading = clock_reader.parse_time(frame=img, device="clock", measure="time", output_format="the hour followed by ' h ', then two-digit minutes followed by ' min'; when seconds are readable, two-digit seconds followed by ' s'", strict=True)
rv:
7 h 07 min
